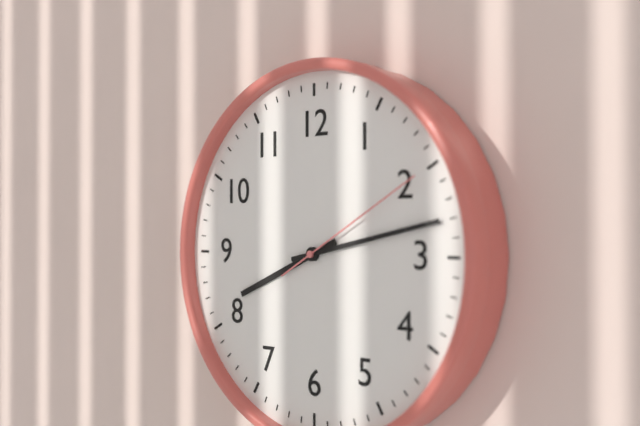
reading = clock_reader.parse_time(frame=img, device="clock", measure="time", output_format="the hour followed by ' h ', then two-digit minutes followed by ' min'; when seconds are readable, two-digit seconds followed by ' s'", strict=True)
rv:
8 h 13 min 10 s
